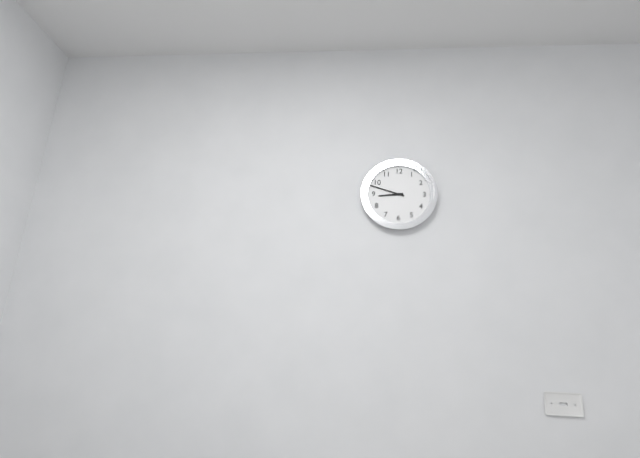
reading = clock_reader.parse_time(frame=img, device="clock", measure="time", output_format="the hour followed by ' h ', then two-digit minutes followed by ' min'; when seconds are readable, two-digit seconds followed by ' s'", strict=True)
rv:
8 h 48 min
